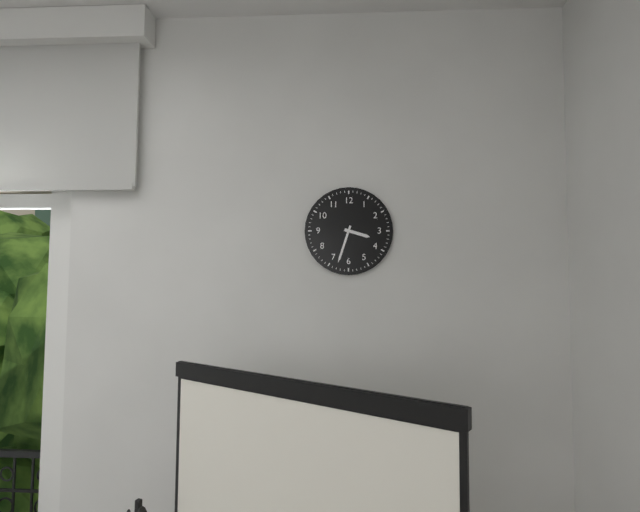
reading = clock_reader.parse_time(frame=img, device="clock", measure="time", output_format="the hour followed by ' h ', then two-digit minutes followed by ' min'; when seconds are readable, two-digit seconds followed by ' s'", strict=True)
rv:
3 h 33 min
